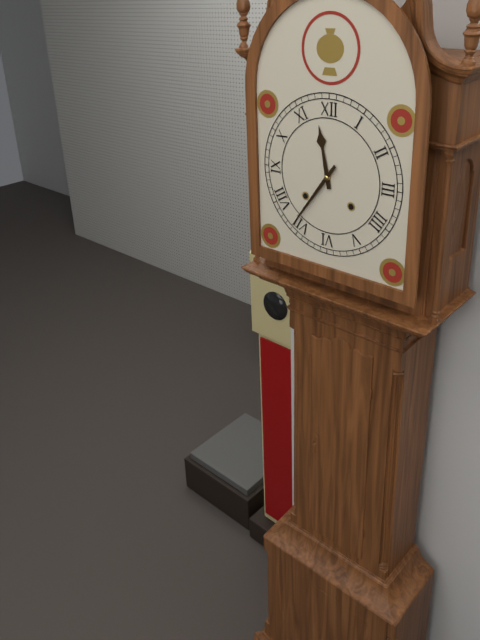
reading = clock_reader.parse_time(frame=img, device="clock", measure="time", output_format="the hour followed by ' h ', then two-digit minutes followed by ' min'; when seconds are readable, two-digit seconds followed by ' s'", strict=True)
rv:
11 h 36 min
